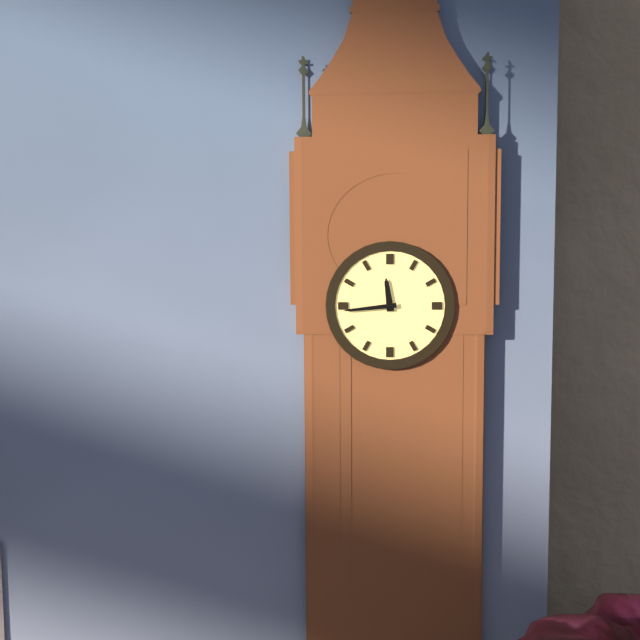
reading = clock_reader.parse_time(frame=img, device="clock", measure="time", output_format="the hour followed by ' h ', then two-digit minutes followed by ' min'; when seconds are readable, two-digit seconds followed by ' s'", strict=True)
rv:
11 h 44 min
